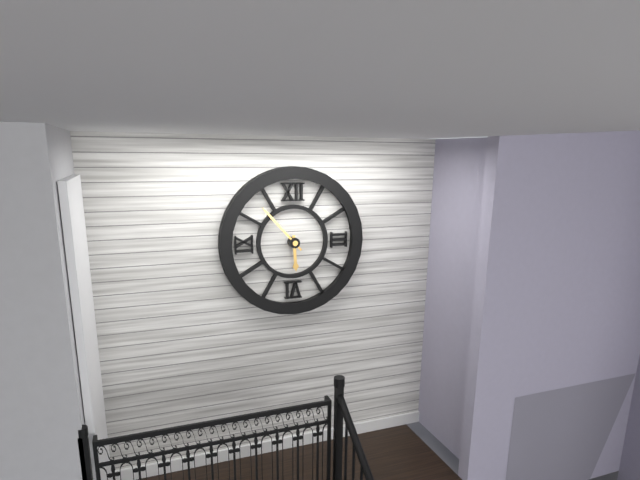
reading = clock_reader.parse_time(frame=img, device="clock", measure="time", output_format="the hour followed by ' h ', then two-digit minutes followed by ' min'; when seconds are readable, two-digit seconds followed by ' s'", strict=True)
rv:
5 h 53 min
